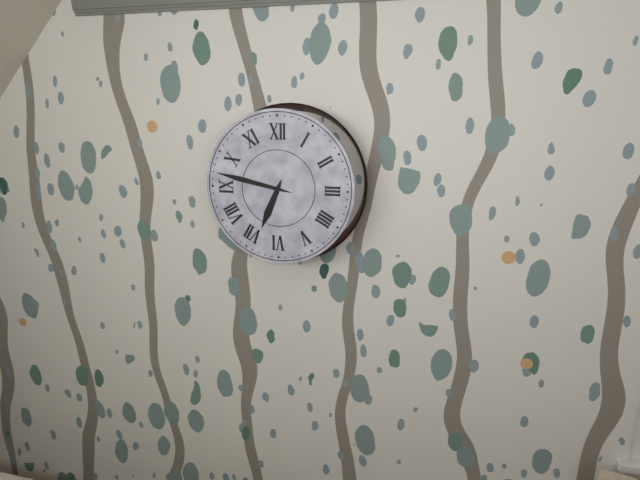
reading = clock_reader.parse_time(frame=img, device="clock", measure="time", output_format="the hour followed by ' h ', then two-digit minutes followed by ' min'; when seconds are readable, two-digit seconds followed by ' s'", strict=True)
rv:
6 h 47 min
